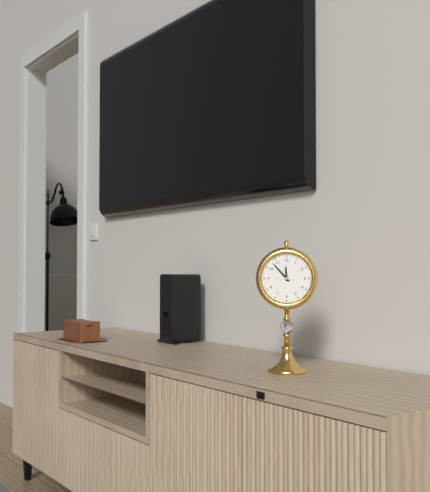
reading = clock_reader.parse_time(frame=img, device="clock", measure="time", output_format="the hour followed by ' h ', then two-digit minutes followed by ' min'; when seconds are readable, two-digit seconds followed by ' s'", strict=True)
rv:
11 h 53 min
